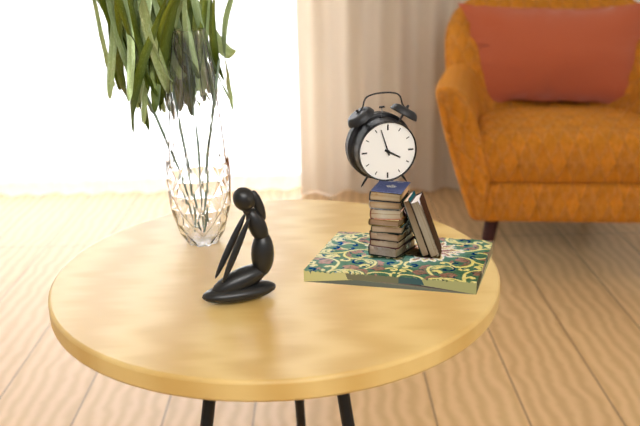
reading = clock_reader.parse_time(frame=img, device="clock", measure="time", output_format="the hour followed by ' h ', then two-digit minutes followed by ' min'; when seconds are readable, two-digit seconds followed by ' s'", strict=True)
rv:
3 h 57 min
